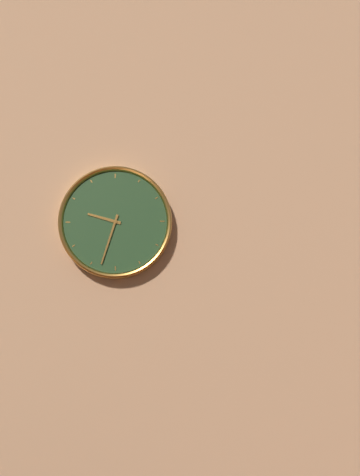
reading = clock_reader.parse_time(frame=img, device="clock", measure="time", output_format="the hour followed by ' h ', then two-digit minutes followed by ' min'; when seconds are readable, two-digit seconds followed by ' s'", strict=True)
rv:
9 h 33 min
